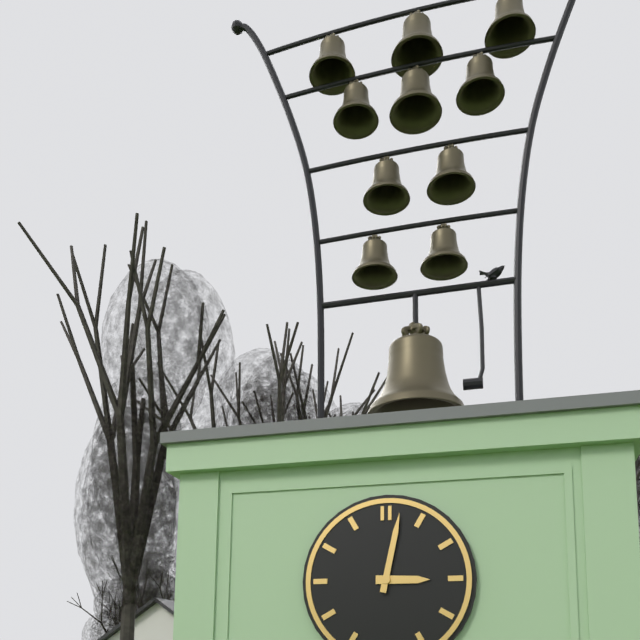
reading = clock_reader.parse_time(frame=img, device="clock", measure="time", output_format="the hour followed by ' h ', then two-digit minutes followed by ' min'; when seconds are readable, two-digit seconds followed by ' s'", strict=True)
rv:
3 h 02 min
